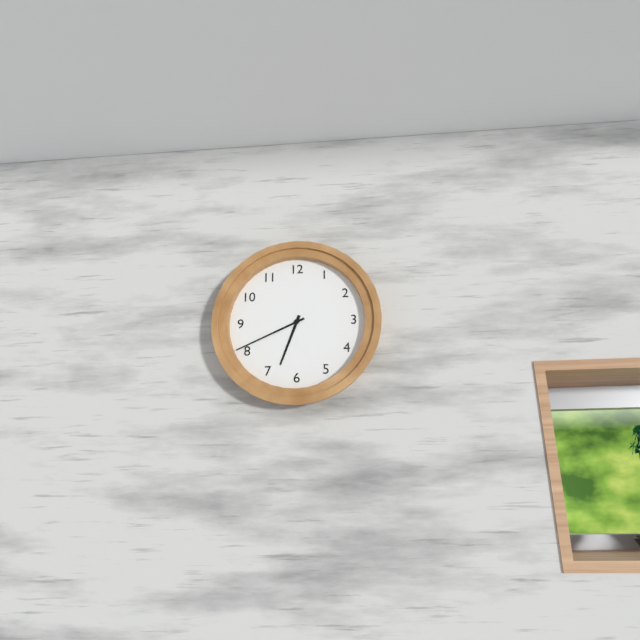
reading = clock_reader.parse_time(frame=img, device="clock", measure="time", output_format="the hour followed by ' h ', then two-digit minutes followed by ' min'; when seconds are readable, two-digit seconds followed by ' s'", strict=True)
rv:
6 h 41 min
